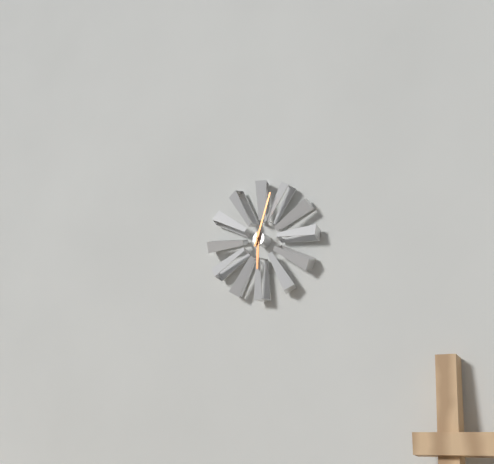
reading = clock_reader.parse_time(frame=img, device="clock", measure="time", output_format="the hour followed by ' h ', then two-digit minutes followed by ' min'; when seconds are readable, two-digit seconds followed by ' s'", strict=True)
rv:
6 h 03 min
